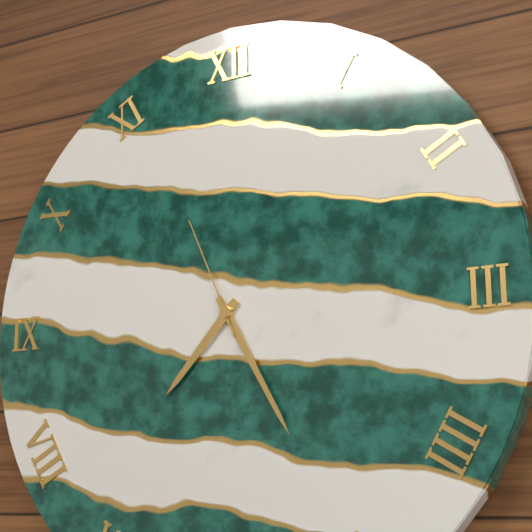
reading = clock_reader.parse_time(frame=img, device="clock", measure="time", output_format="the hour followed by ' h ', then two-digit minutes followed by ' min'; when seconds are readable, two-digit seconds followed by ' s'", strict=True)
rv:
7 h 25 min 56 s
